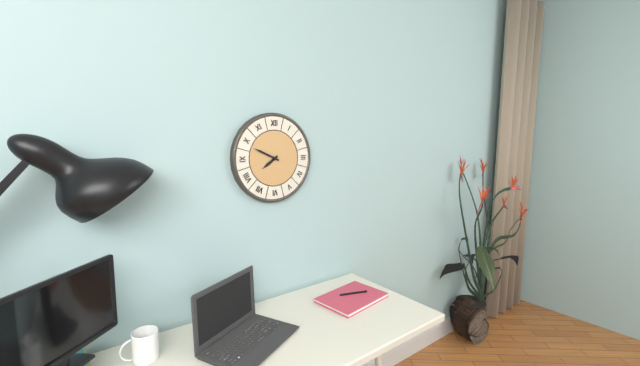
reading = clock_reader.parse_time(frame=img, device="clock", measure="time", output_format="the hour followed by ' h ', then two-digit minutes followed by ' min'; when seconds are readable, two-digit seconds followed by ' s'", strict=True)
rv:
7 h 49 min
